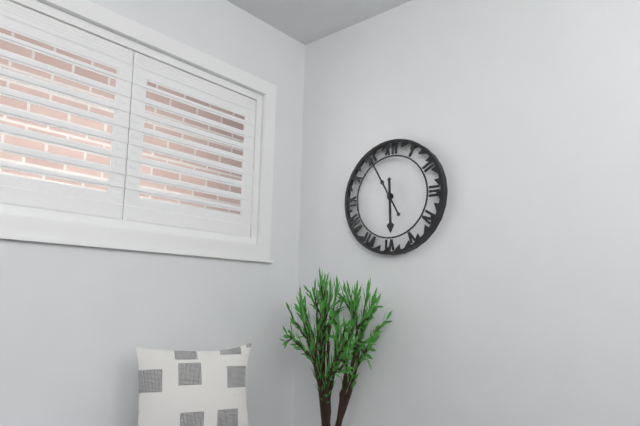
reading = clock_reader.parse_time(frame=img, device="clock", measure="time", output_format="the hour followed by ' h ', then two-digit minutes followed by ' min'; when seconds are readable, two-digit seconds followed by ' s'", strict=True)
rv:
5 h 55 min
